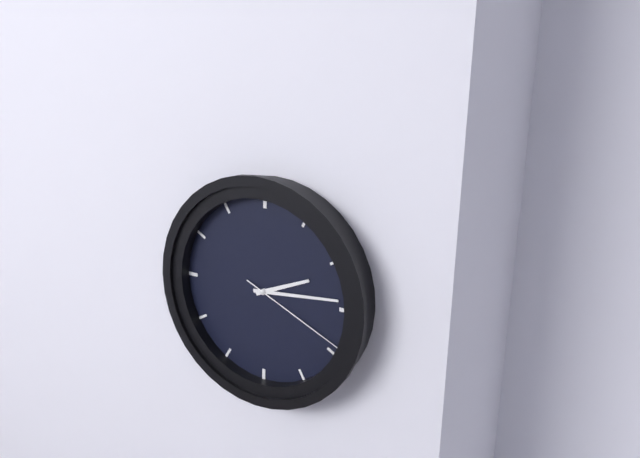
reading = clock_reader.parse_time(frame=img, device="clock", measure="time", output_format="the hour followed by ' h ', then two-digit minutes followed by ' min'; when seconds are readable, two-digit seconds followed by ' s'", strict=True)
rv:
2 h 14 min 19 s
